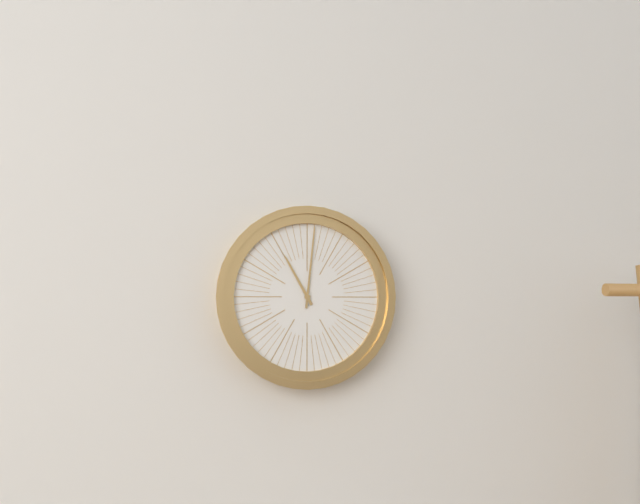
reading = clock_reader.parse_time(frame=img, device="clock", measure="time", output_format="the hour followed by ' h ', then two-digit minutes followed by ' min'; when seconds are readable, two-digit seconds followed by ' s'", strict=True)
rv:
11 h 01 min
